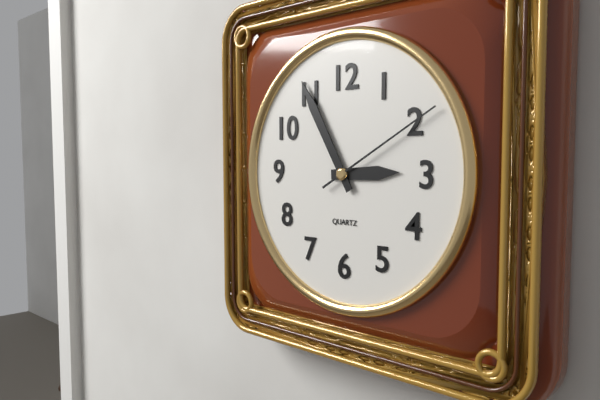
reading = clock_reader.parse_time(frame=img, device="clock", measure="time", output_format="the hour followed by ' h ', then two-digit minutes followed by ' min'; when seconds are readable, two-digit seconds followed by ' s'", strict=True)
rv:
2 h 55 min 10 s
